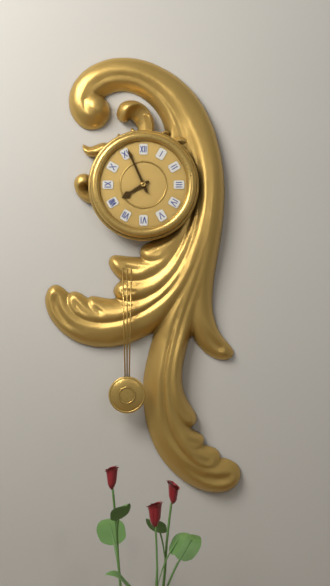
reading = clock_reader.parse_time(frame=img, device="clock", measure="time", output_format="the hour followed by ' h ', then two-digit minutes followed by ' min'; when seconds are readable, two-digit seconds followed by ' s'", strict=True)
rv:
7 h 56 min
